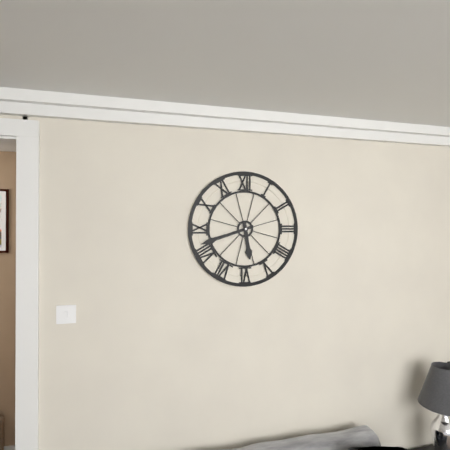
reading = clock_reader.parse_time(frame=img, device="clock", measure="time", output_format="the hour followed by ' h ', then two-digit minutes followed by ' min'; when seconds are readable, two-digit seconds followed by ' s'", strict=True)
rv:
5 h 42 min
